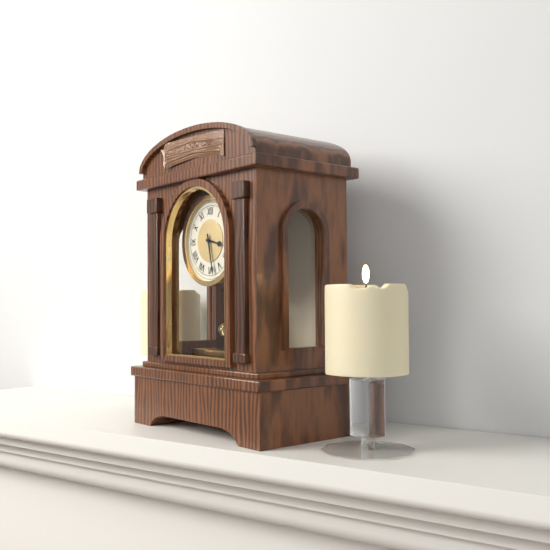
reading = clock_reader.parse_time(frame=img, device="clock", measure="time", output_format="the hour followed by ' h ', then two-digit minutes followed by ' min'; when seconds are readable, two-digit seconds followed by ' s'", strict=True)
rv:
3 h 28 min
